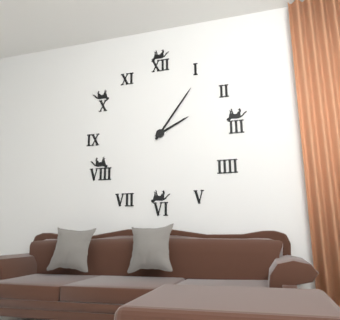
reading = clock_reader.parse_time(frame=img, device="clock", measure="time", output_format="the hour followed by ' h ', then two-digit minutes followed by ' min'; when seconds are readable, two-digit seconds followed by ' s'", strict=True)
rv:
2 h 06 min
